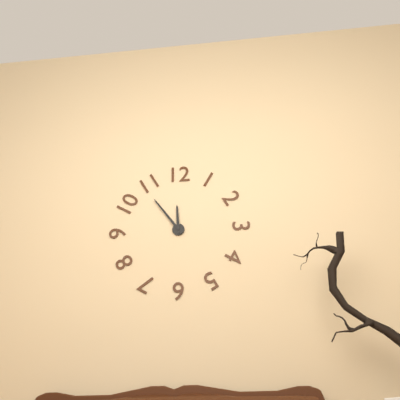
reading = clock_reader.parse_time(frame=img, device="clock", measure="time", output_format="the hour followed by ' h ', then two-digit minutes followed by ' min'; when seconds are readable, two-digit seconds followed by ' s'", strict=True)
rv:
11 h 54 min
